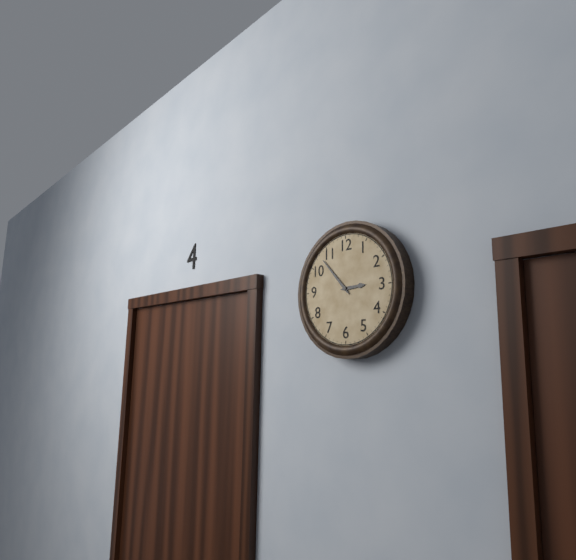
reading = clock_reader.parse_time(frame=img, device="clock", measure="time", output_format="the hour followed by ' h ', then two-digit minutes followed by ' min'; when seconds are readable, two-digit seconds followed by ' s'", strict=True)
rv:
2 h 53 min
